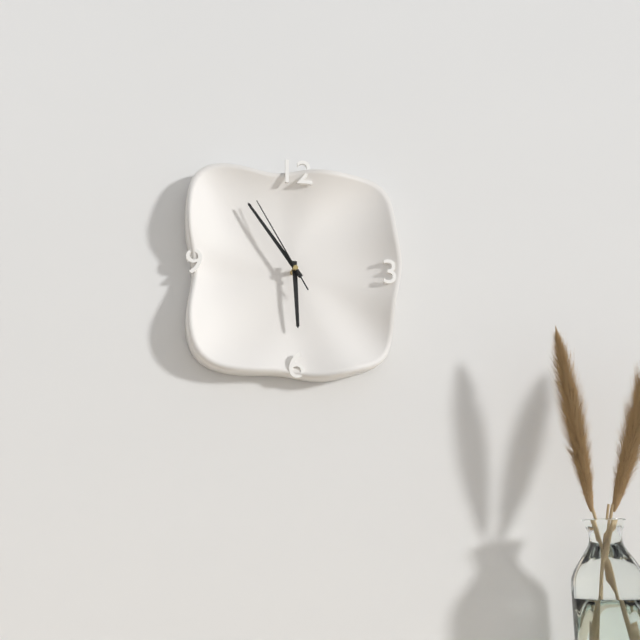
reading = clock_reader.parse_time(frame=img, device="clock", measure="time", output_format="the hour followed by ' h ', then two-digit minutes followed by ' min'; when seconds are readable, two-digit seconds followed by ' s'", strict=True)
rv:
5 h 54 min 55 s
